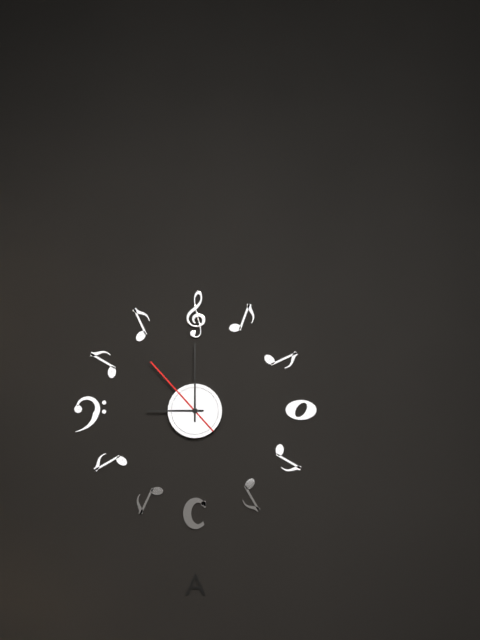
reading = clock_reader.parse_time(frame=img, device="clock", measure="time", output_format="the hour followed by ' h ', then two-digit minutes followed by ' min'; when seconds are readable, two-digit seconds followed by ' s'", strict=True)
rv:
9 h 00 min 53 s
